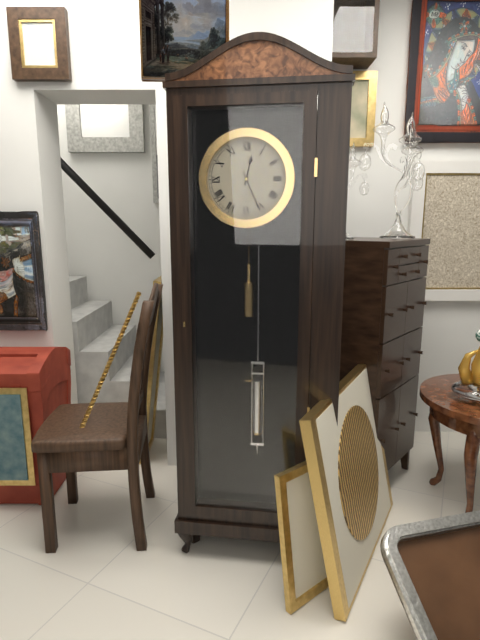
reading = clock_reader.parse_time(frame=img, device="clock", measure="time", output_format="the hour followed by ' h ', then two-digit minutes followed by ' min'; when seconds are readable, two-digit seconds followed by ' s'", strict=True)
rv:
12 h 26 min
